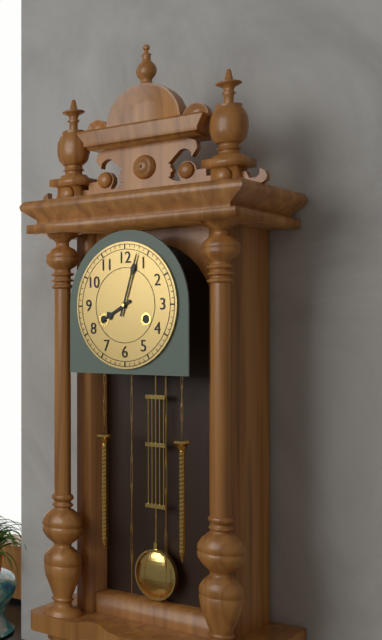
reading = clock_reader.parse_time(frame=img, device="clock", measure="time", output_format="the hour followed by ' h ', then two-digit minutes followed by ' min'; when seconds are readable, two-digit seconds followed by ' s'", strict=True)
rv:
8 h 03 min
